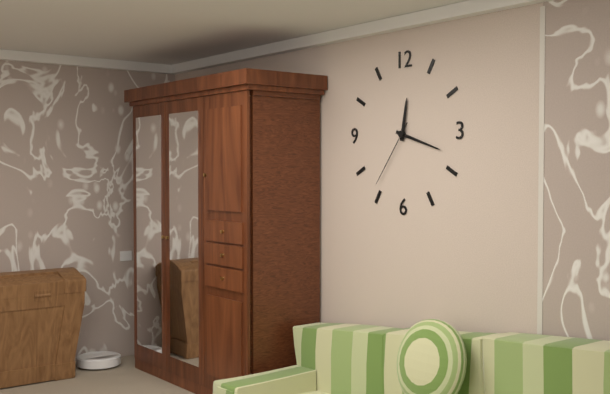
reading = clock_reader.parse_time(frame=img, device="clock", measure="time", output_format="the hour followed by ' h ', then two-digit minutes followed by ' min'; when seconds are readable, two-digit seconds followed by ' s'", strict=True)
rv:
12 h 18 min 36 s
